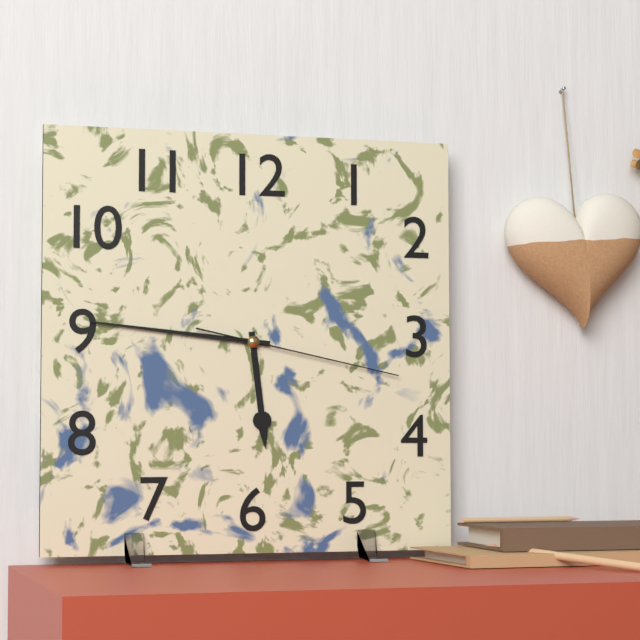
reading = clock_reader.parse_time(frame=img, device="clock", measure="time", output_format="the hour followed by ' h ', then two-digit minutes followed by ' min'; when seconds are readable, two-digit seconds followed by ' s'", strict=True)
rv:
5 h 46 min 17 s
